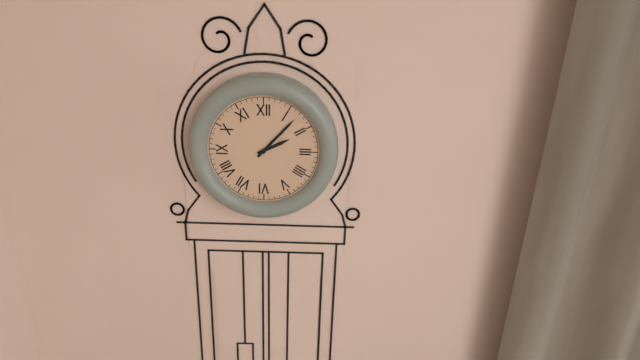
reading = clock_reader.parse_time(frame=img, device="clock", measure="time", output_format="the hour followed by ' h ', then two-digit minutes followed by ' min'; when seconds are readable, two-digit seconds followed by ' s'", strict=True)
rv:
2 h 07 min
